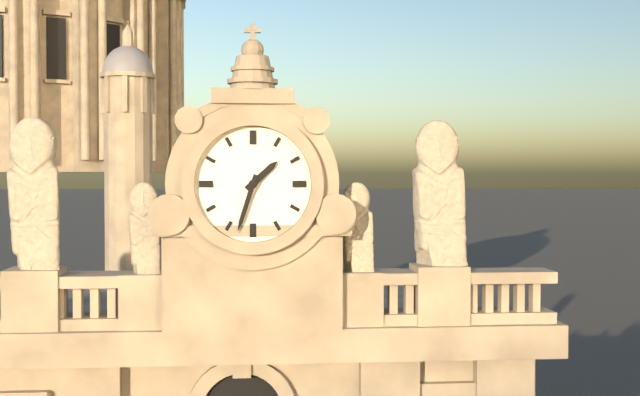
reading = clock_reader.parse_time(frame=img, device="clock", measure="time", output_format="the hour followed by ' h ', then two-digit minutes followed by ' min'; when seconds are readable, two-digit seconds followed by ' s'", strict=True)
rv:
1 h 33 min
